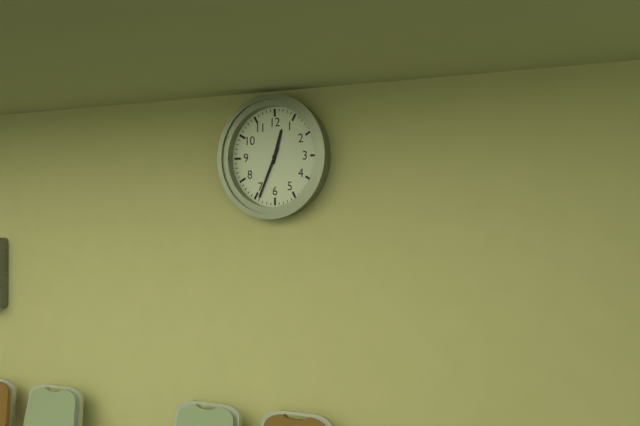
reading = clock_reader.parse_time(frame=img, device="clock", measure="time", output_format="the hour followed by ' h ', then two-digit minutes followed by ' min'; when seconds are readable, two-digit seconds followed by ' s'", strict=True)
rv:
12 h 34 min
